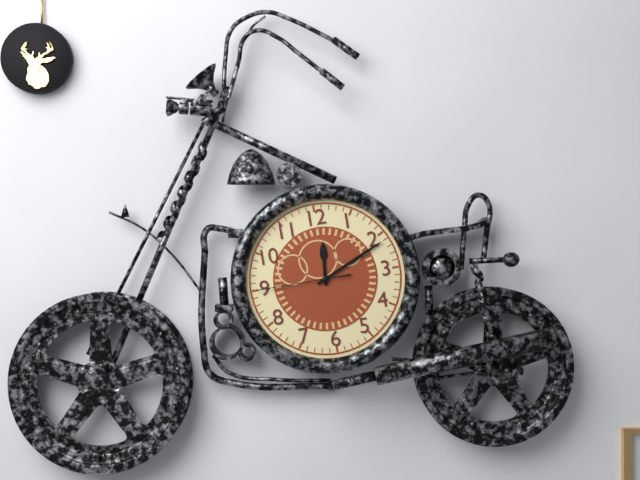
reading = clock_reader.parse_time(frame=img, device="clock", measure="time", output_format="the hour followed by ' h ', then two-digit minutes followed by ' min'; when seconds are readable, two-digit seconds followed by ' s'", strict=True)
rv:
12 h 11 min 45 s
